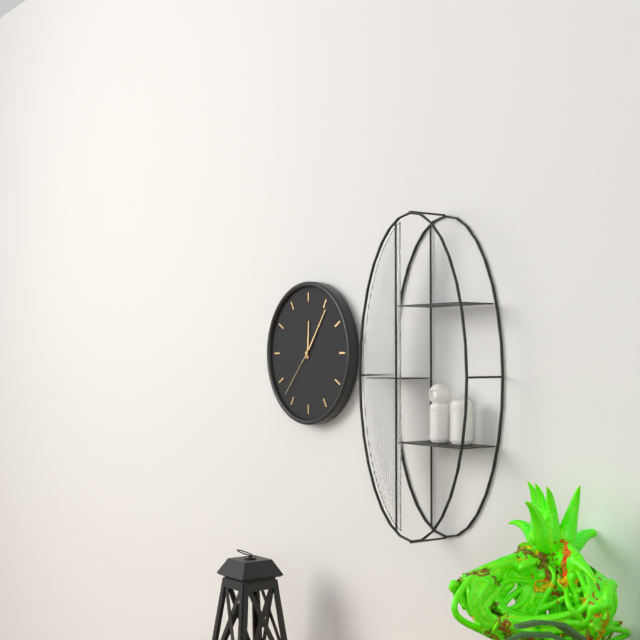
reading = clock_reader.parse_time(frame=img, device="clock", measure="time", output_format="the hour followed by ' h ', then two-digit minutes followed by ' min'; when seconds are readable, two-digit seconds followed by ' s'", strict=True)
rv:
12 h 06 min 37 s
